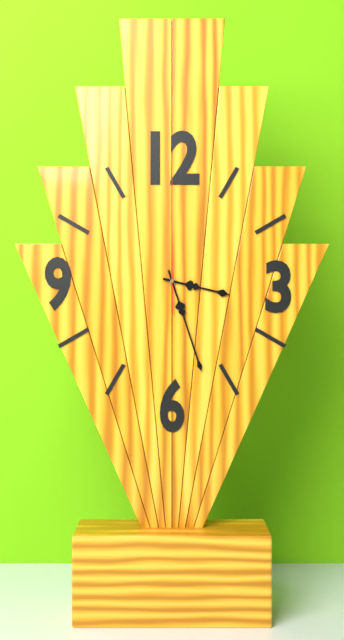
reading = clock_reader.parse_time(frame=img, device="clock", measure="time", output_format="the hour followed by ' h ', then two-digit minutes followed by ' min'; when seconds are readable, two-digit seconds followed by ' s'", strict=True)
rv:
3 h 27 min 00 s
